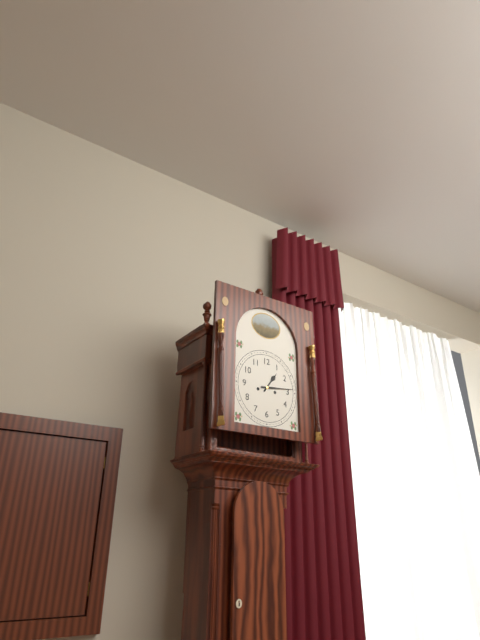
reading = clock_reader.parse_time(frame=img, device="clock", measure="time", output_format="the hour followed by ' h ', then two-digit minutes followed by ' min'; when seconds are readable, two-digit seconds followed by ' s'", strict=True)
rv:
1 h 14 min
